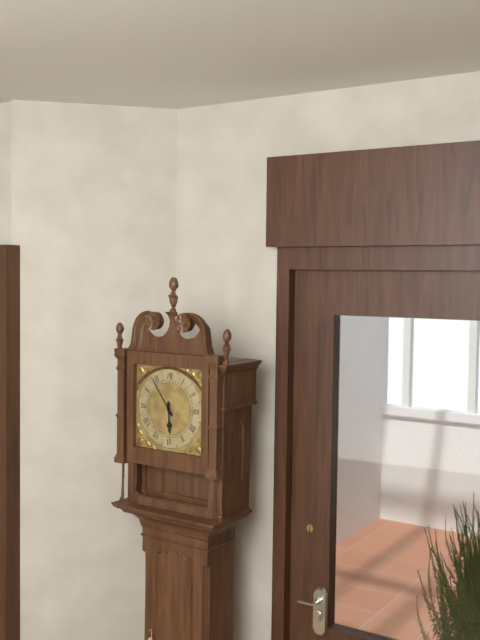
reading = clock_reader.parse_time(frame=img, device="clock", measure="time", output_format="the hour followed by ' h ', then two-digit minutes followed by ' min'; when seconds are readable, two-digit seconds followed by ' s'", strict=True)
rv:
5 h 54 min
